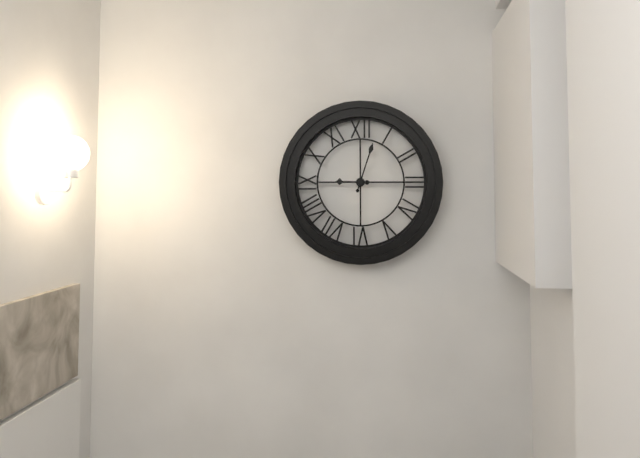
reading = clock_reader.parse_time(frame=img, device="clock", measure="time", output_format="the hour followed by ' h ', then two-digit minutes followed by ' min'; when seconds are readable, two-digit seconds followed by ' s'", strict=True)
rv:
9 h 03 min
